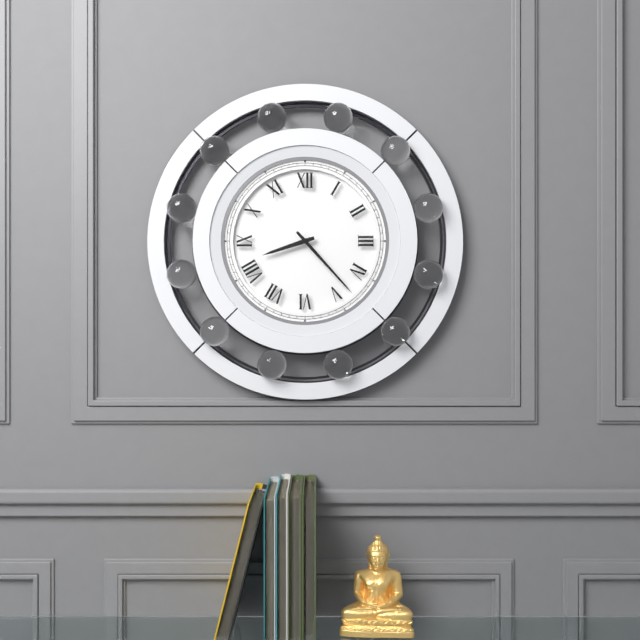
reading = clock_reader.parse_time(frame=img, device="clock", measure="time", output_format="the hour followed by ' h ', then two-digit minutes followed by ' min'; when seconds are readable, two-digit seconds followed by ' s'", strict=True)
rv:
8 h 23 min
